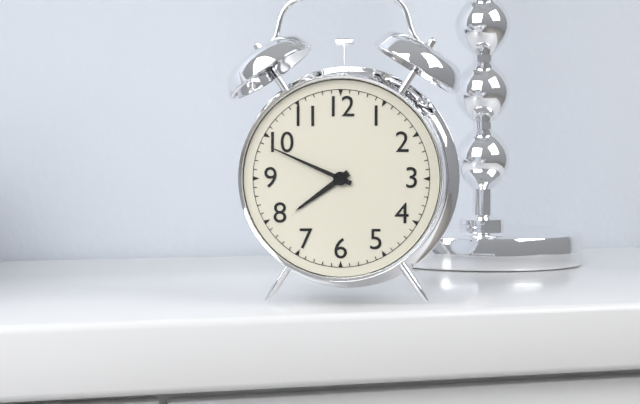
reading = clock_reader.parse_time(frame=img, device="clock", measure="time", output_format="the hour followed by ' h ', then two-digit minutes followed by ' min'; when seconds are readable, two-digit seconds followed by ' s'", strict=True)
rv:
7 h 49 min
